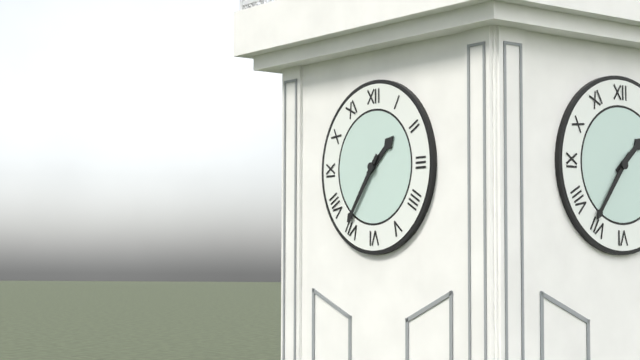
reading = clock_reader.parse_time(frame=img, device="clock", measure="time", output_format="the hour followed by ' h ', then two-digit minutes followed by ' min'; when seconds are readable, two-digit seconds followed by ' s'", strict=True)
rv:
1 h 36 min
